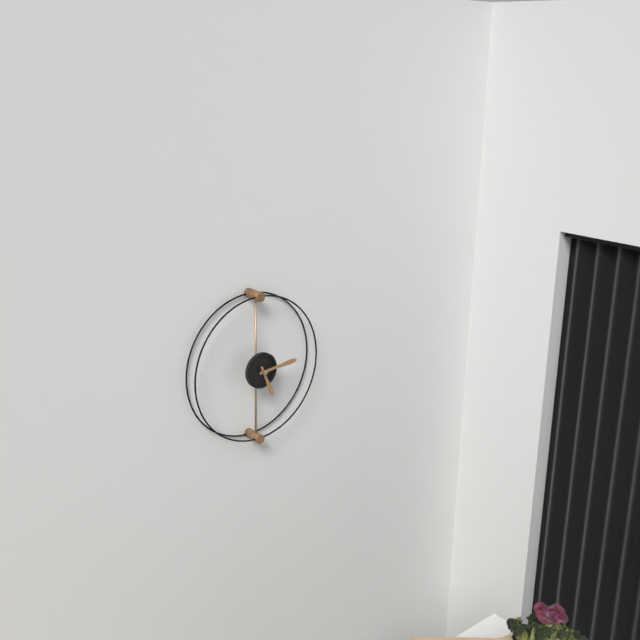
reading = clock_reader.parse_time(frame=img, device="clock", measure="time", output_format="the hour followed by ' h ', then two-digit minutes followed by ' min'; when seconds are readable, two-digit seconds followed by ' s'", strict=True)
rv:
5 h 14 min
